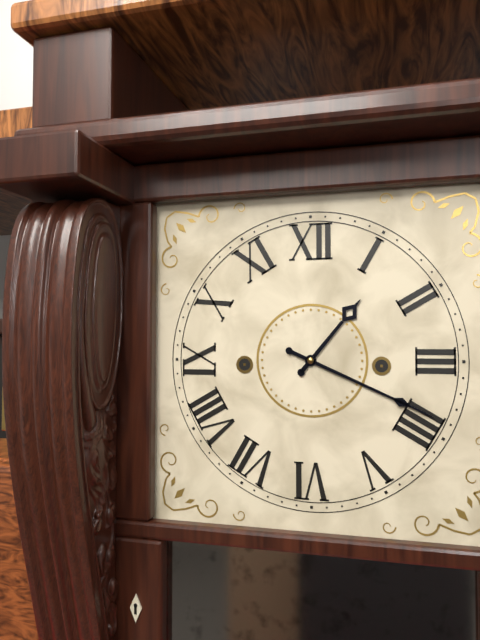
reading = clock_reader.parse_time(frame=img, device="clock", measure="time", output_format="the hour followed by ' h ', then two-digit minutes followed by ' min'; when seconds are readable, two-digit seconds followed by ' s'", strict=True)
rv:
1 h 19 min
